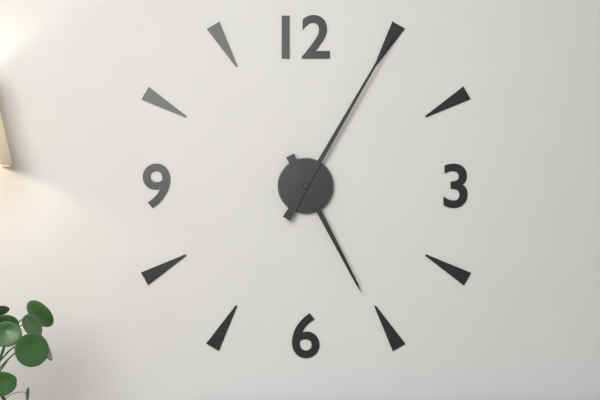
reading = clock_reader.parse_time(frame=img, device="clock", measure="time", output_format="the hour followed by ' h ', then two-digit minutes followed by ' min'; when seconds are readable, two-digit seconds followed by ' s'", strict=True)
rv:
5 h 05 min
